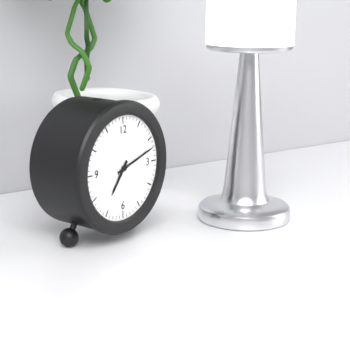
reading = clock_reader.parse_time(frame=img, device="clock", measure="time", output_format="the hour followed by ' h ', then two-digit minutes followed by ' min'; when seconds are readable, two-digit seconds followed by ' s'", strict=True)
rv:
7 h 12 min
